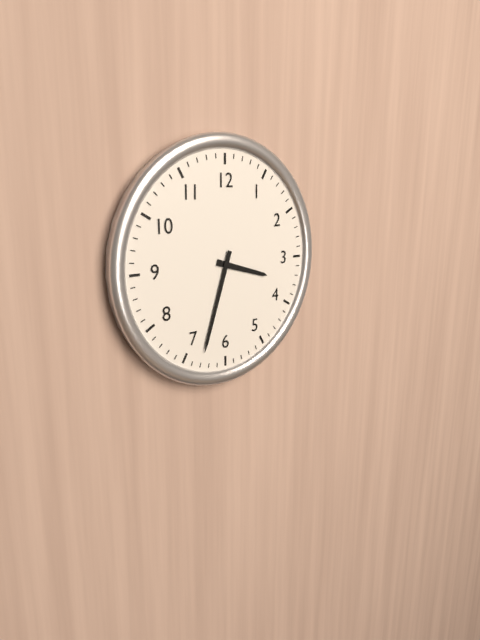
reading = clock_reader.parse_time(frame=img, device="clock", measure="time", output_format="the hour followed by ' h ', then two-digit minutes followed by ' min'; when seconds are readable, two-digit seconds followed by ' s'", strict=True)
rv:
3 h 33 min
